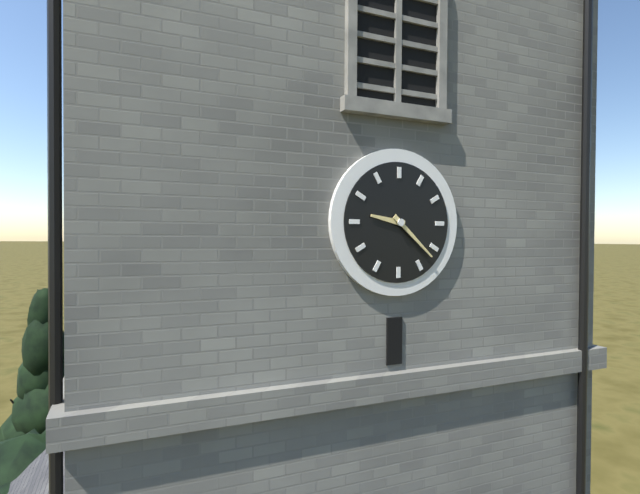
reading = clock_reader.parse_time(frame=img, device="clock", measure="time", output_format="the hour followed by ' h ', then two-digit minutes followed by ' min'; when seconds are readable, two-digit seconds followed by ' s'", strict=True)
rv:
9 h 22 min
